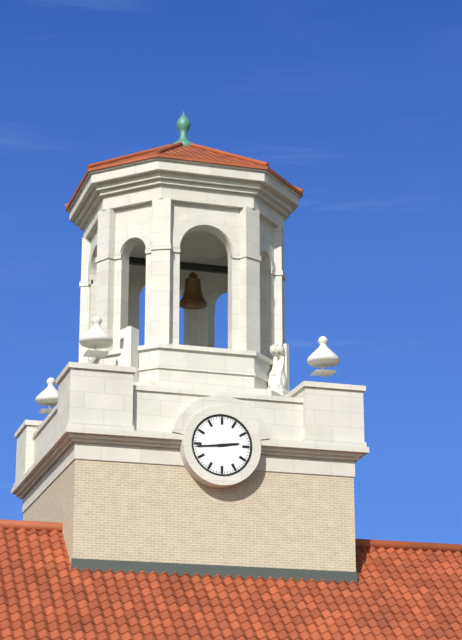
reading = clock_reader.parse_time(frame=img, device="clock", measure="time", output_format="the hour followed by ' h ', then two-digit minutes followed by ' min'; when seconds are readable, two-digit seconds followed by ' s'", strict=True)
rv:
2 h 44 min
